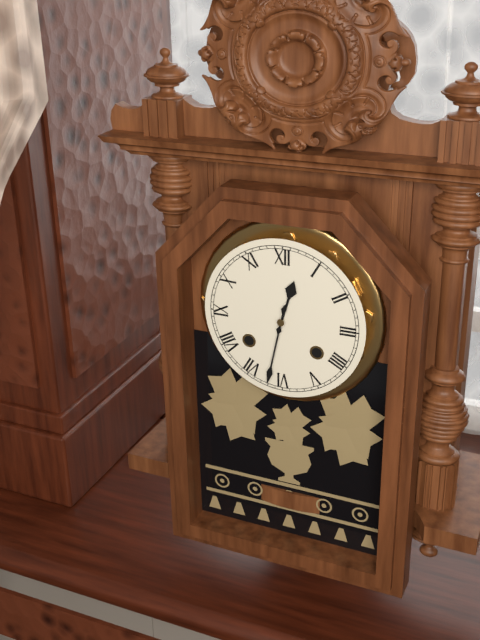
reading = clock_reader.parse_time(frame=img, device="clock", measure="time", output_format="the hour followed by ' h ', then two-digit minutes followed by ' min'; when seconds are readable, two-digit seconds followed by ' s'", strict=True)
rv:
12 h 32 min
